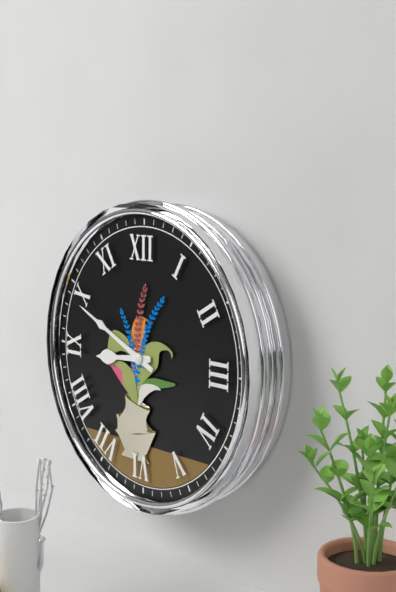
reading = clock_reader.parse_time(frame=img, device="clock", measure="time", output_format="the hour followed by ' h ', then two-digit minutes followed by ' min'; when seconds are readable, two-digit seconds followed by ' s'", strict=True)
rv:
8 h 49 min
